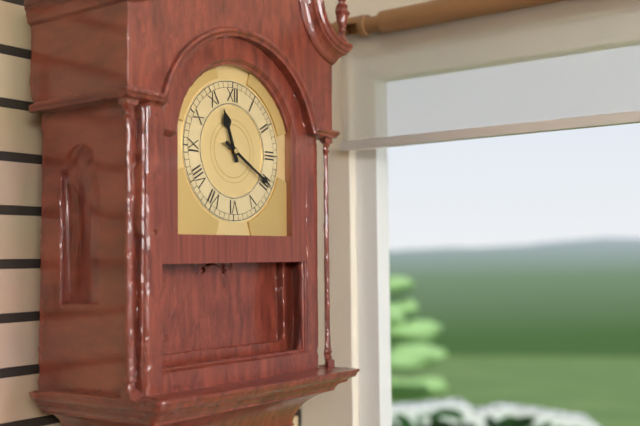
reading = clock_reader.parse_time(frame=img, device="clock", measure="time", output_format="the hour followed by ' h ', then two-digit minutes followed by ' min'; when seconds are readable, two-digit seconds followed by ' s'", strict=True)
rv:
11 h 20 min
